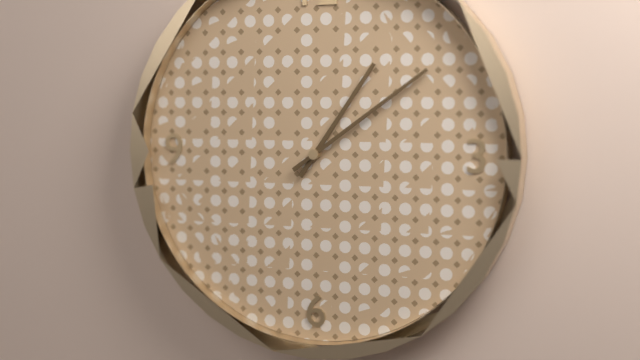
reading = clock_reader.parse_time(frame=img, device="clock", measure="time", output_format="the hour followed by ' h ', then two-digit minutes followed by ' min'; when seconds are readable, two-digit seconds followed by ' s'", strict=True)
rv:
1 h 09 min
